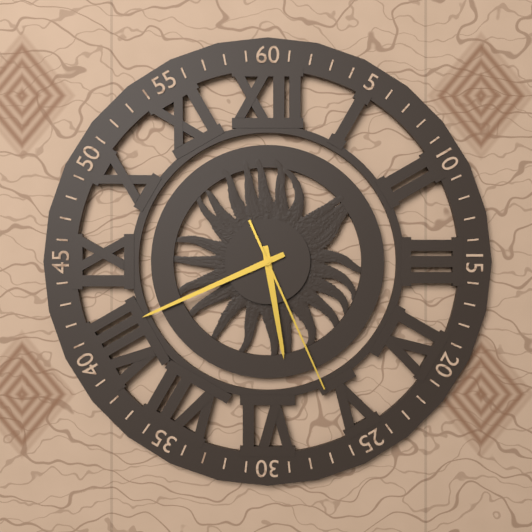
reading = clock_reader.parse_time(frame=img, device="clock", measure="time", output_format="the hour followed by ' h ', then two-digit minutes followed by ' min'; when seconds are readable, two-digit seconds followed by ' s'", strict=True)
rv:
5 h 41 min 26 s
